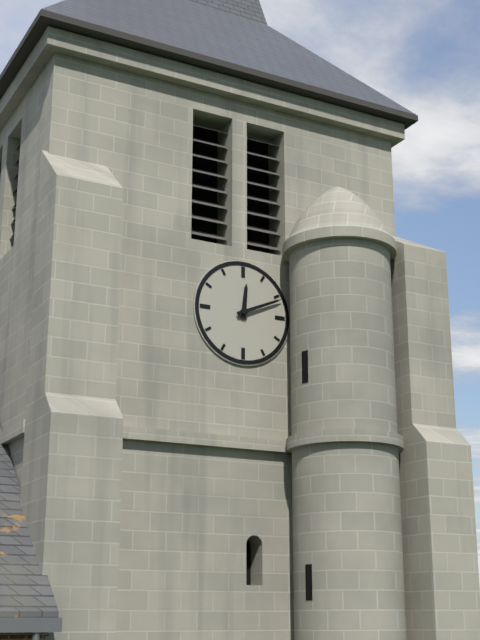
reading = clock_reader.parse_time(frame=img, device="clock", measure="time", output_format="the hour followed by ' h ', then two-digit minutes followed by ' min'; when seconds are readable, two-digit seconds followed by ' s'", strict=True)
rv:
12 h 11 min
